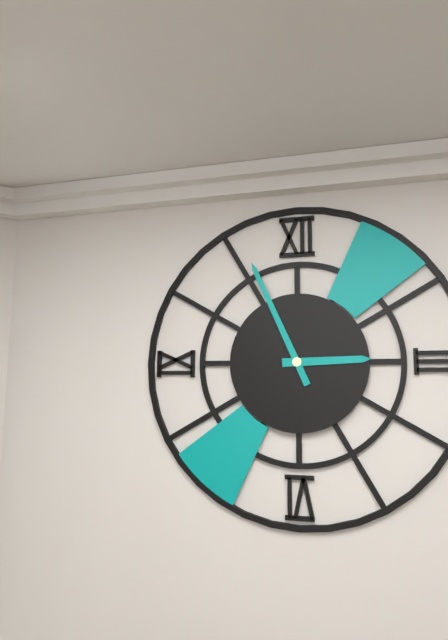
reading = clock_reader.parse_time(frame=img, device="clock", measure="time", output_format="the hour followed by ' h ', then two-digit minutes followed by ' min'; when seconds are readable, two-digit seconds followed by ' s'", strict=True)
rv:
2 h 56 min
